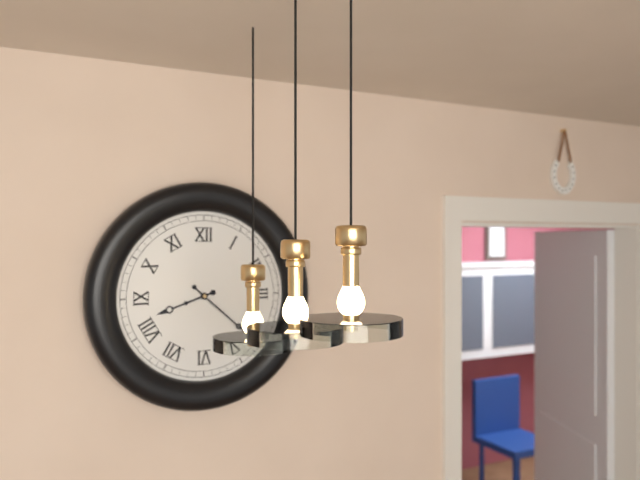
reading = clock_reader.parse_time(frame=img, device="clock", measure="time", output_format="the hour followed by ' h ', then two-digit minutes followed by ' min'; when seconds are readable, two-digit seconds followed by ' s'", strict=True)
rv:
8 h 22 min
